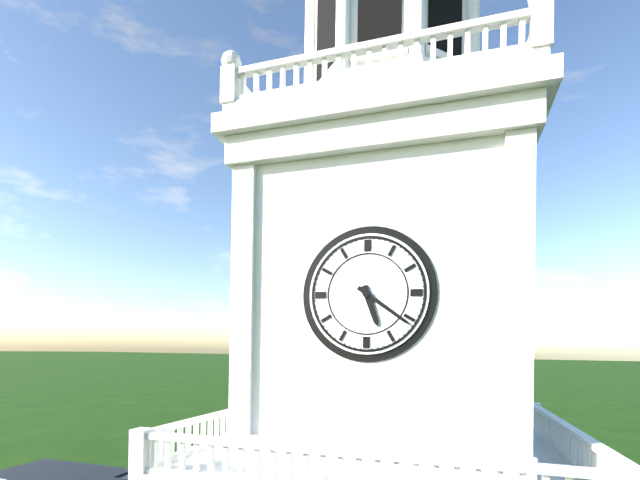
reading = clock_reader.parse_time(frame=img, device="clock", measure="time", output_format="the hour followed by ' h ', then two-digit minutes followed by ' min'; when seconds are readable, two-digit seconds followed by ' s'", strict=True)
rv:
5 h 21 min
